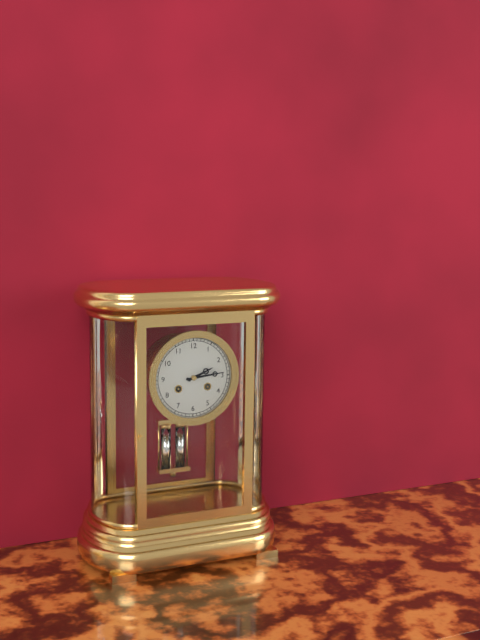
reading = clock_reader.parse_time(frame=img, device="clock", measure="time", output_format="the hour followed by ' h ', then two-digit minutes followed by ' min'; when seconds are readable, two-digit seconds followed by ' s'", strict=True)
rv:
2 h 14 min
